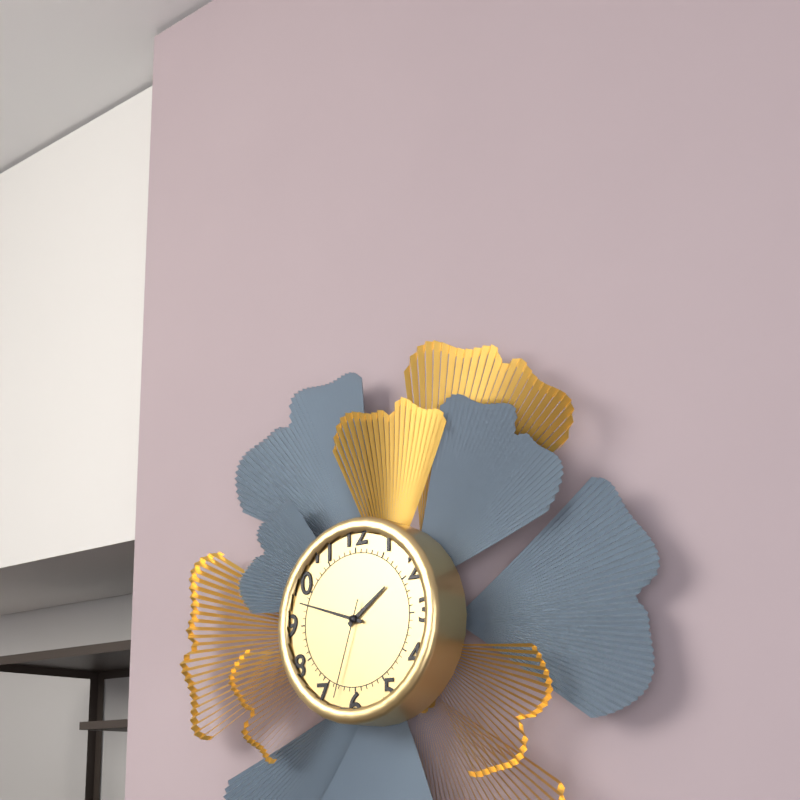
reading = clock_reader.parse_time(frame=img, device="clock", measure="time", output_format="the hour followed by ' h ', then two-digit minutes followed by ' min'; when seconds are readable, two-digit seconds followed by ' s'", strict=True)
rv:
1 h 48 min 33 s
